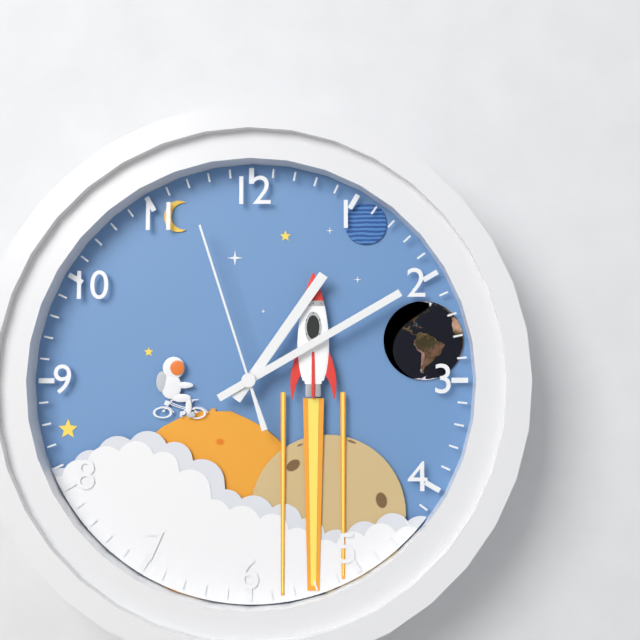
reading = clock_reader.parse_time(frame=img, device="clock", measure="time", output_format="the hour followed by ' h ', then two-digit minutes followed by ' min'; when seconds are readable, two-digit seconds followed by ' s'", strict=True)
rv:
1 h 10 min 57 s
